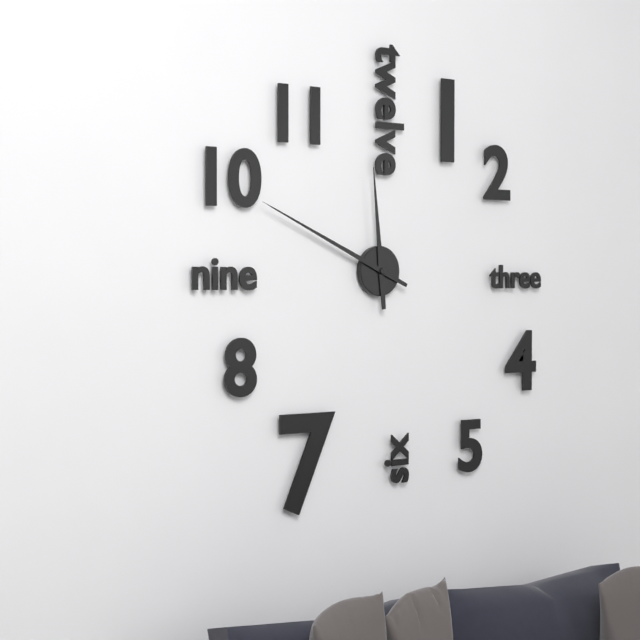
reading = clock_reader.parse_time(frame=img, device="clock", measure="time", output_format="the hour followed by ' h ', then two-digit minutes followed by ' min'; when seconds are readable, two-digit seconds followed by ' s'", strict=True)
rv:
11 h 49 min
